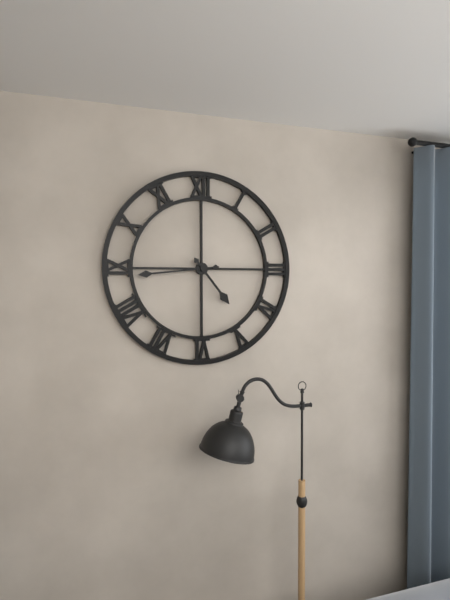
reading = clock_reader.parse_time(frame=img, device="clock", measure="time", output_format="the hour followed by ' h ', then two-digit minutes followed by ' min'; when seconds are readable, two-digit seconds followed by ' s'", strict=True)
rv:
4 h 44 min
